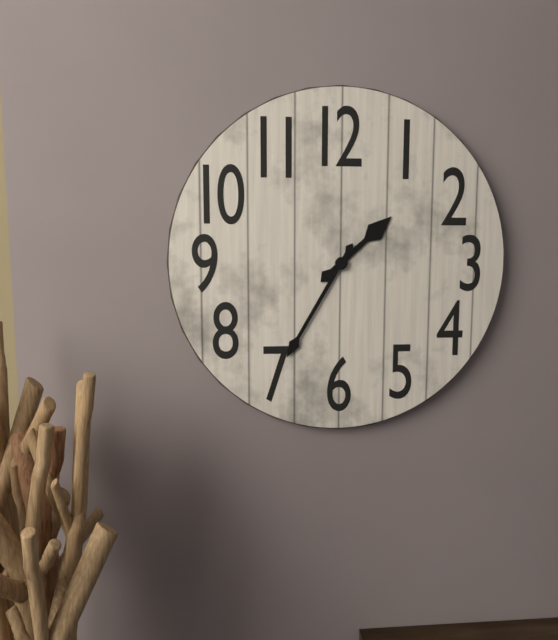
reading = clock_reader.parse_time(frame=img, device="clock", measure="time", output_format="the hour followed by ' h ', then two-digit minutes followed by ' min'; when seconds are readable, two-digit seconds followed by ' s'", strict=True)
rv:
1 h 35 min
